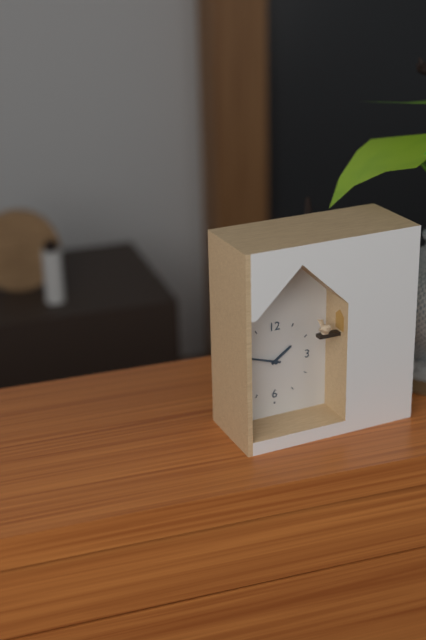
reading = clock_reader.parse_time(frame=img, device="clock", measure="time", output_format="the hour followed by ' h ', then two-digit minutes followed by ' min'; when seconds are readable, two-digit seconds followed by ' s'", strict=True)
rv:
1 h 48 min
